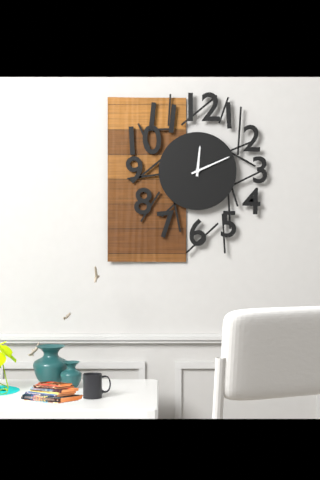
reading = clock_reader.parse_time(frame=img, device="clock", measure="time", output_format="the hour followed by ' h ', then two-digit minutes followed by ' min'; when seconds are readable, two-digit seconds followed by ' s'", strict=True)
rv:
12 h 11 min
